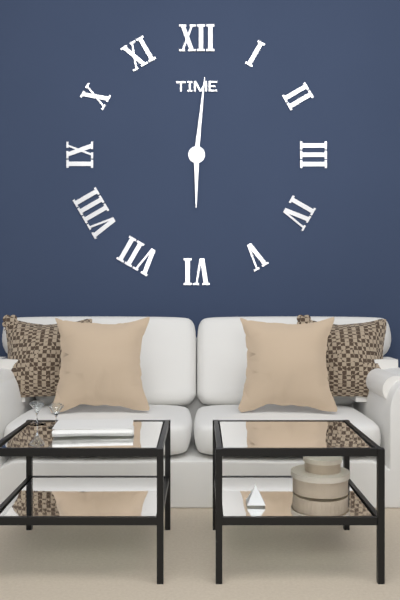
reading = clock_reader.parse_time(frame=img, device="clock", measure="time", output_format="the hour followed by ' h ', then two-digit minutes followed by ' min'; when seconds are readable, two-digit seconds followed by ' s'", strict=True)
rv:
6 h 01 min
